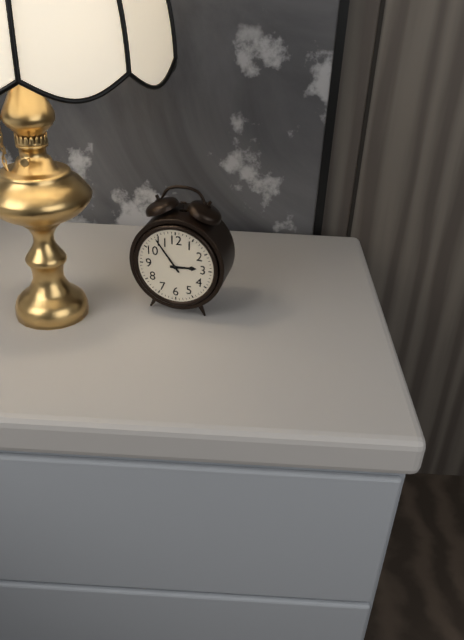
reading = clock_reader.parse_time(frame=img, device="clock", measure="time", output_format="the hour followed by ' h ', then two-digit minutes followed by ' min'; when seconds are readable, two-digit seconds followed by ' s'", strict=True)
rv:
2 h 54 min
